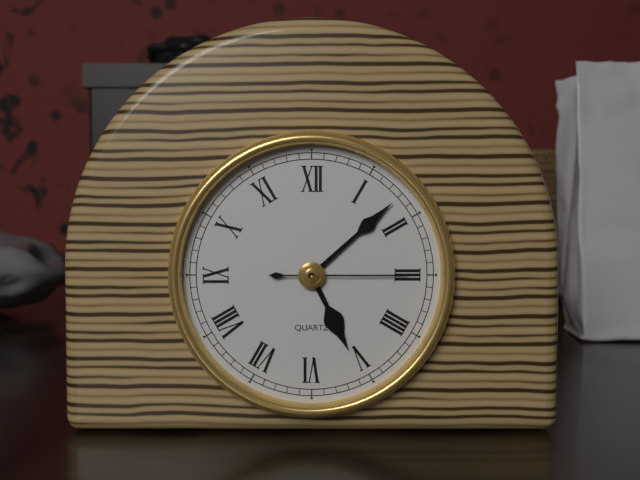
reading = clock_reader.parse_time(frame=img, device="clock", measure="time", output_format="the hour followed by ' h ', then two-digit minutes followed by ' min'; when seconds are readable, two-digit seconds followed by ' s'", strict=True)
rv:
5 h 08 min 15 s
